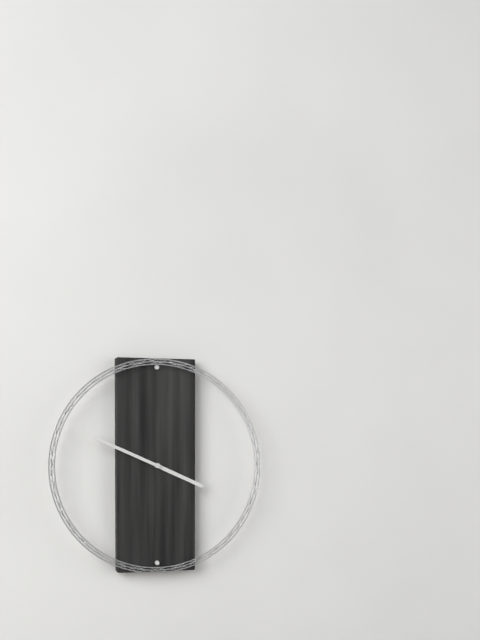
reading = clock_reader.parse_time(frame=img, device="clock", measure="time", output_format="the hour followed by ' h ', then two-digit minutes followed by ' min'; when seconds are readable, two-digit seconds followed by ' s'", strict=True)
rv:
3 h 49 min
